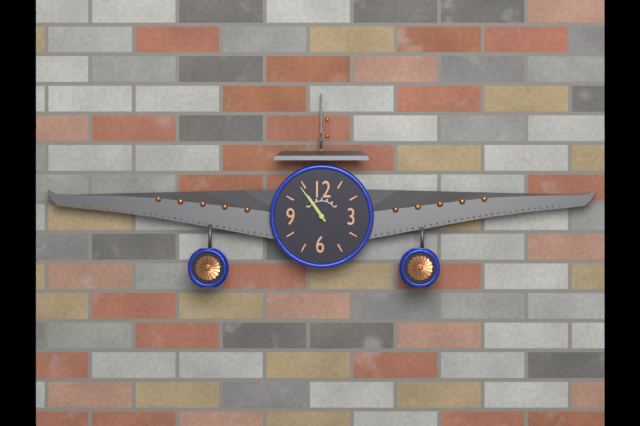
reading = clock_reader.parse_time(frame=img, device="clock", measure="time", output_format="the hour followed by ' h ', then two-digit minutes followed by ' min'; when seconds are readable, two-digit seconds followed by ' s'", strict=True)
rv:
10 h 54 min
